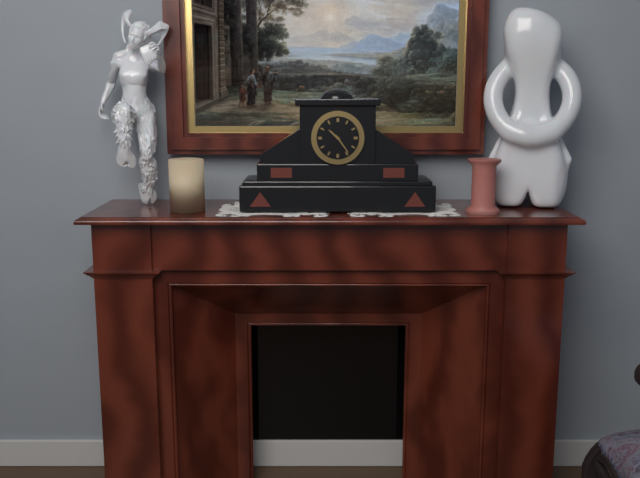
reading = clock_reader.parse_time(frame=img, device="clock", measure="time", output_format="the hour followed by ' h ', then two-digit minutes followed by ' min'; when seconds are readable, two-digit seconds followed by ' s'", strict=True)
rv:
10 h 24 min
